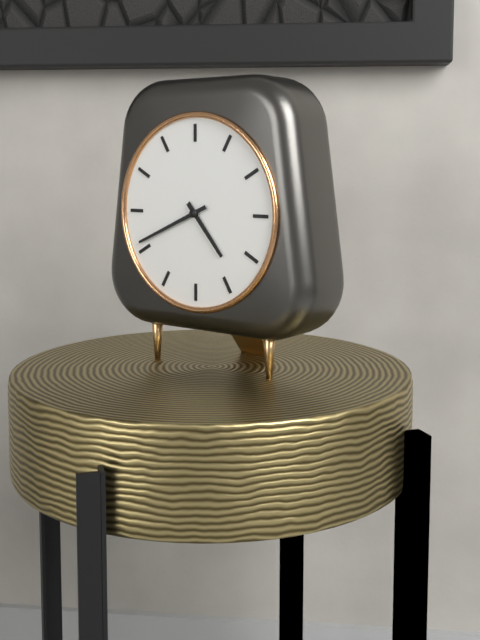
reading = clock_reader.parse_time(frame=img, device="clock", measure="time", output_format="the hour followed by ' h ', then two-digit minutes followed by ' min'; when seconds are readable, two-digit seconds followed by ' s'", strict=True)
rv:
4 h 41 min
